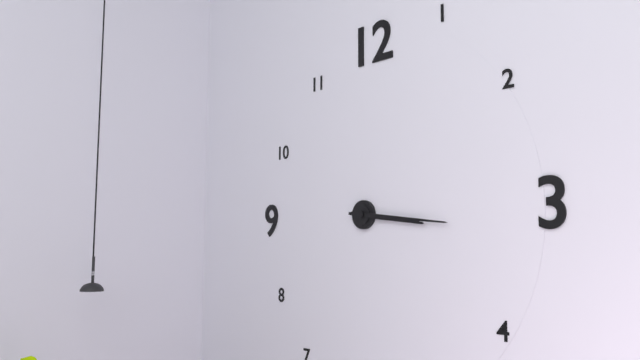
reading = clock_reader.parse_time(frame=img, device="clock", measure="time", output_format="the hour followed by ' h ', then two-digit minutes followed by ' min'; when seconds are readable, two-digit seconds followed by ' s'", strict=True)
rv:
3 h 16 min
